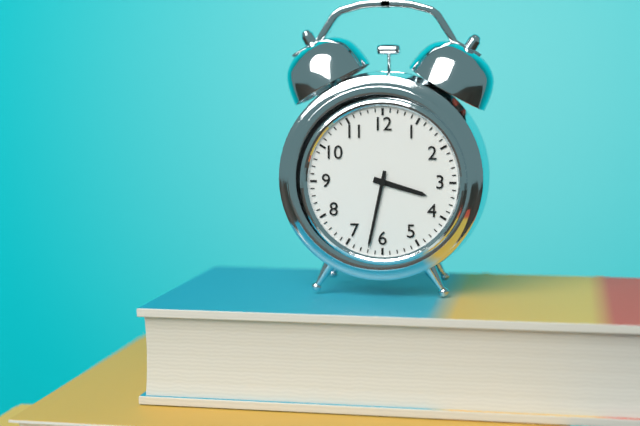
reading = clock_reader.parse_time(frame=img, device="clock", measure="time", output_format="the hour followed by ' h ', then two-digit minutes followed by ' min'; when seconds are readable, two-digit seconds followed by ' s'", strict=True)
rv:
3 h 32 min
